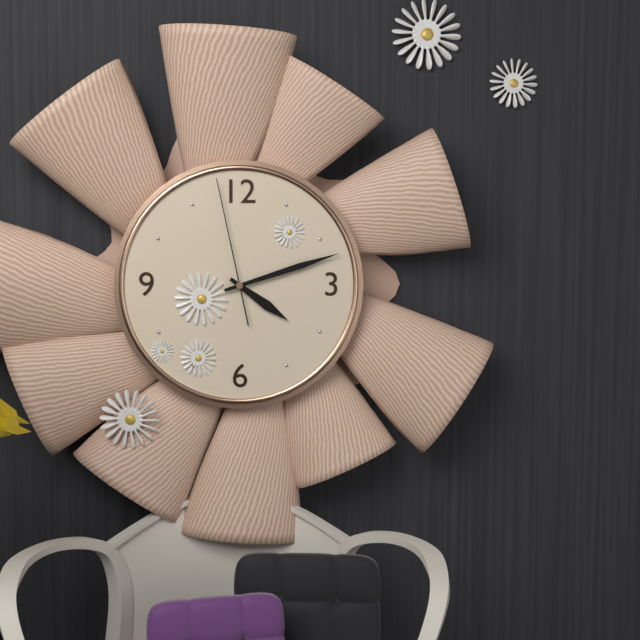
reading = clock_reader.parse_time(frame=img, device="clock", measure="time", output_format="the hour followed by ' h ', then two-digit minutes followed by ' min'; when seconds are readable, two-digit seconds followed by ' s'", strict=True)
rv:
4 h 12 min 58 s
